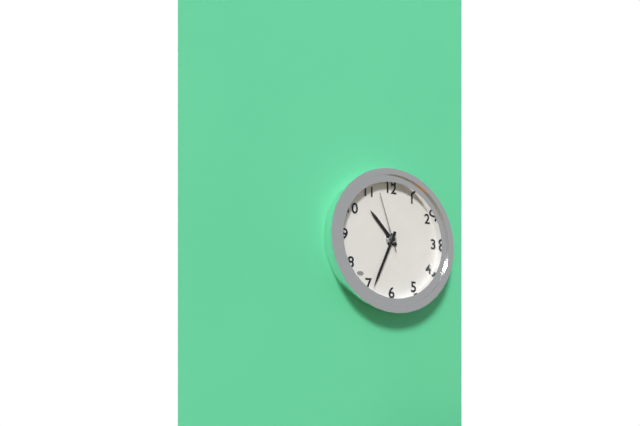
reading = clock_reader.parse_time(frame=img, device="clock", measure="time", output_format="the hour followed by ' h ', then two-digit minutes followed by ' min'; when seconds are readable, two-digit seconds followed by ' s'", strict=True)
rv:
10 h 34 min 57 s
